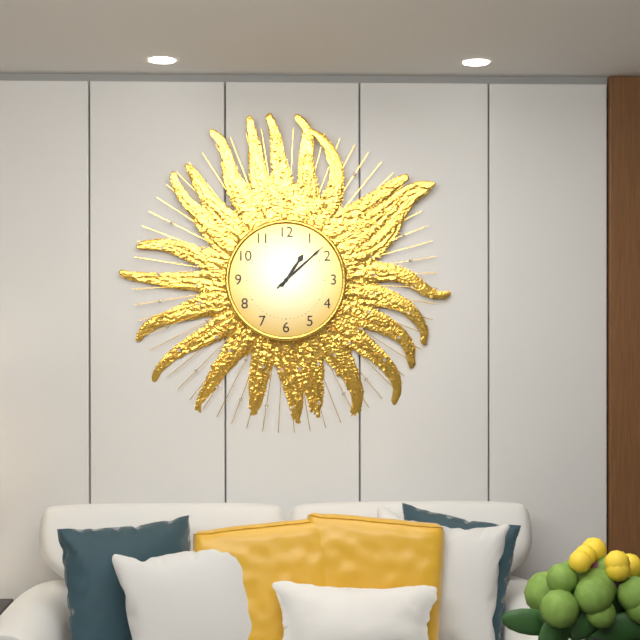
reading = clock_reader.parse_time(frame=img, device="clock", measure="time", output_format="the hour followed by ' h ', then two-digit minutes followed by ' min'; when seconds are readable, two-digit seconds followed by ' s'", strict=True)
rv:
1 h 08 min 08 s
